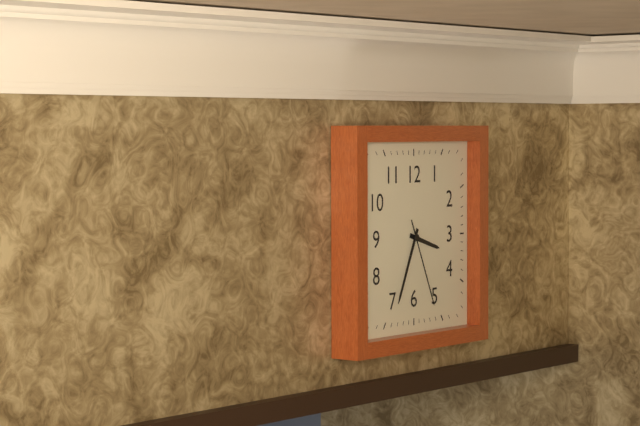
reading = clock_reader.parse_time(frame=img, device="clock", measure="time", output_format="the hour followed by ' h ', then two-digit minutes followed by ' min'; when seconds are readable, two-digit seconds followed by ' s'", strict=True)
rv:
3 h 34 min 26 s
